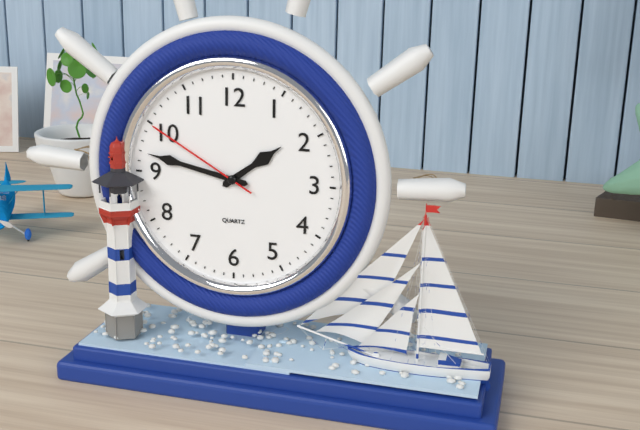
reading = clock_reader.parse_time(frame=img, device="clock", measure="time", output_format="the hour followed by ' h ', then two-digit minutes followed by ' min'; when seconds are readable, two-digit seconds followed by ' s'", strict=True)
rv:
1 h 47 min 50 s
